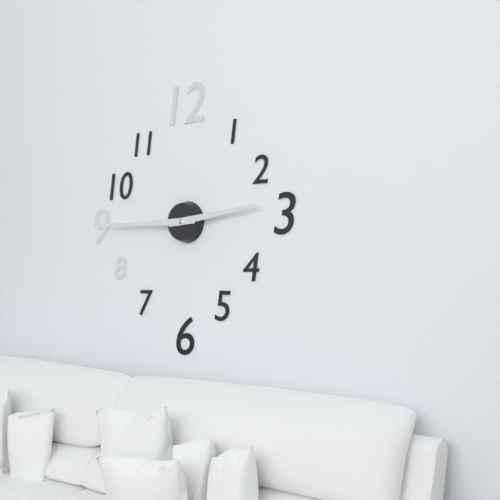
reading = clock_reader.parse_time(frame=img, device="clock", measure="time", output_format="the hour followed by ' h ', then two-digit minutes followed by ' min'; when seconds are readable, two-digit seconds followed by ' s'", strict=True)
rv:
2 h 45 min
